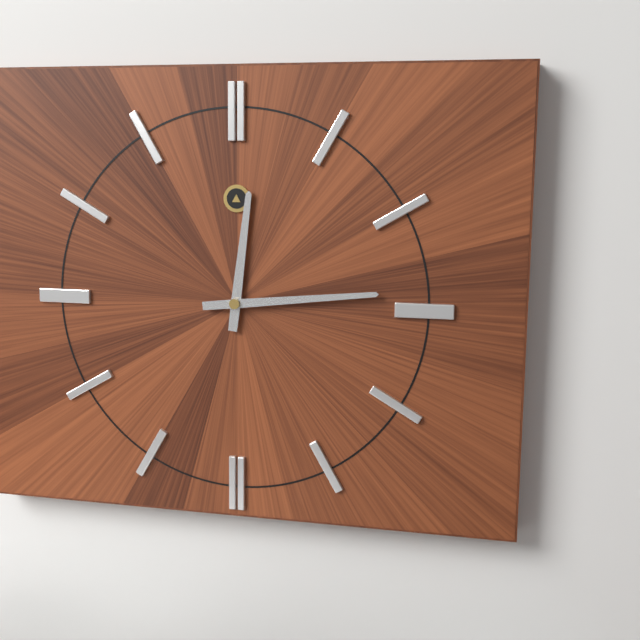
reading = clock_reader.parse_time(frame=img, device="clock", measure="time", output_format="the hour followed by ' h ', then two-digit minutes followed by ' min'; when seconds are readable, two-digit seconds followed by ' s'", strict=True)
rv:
12 h 14 min
